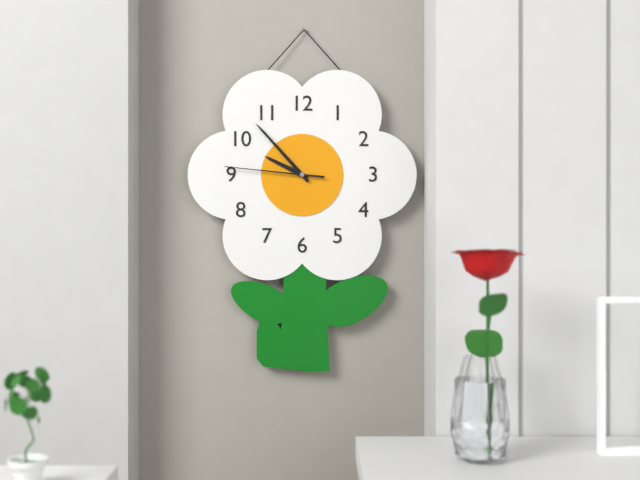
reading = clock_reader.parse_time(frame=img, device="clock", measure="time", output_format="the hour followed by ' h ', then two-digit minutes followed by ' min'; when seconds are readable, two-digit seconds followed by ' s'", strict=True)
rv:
9 h 53 min 46 s
